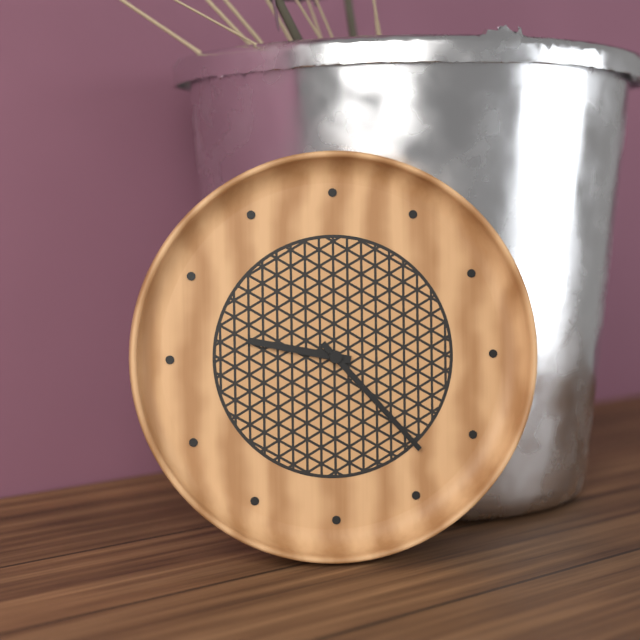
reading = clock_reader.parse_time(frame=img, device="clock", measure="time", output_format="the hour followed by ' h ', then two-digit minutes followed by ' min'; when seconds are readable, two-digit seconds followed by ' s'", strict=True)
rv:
9 h 23 min
